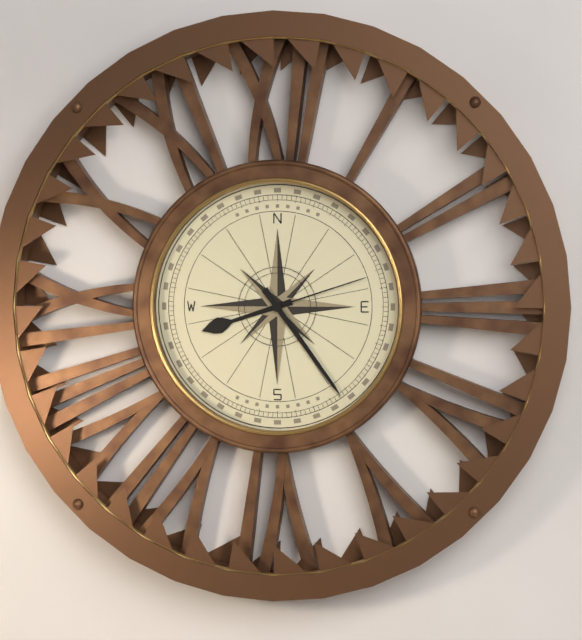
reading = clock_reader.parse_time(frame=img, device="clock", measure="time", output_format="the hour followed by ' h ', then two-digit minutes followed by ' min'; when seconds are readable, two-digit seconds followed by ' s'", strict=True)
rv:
8 h 24 min 12 s
